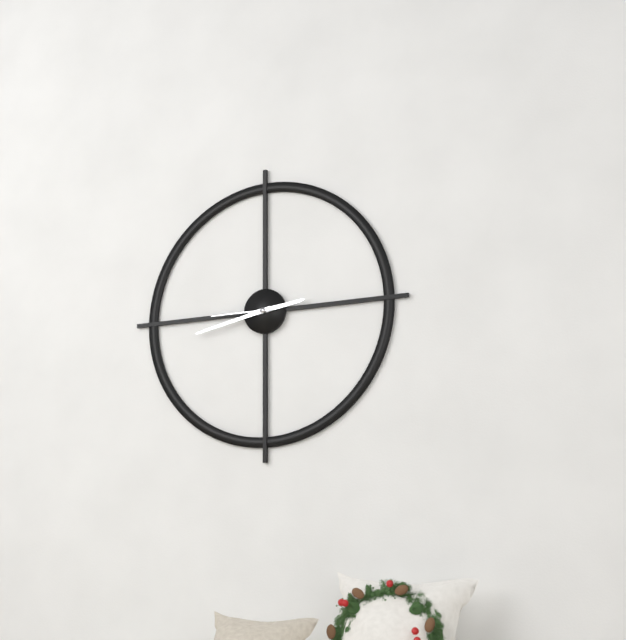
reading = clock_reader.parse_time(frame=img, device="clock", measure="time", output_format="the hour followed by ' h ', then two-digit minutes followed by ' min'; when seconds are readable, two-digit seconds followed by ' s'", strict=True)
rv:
2 h 43 min 45 s
